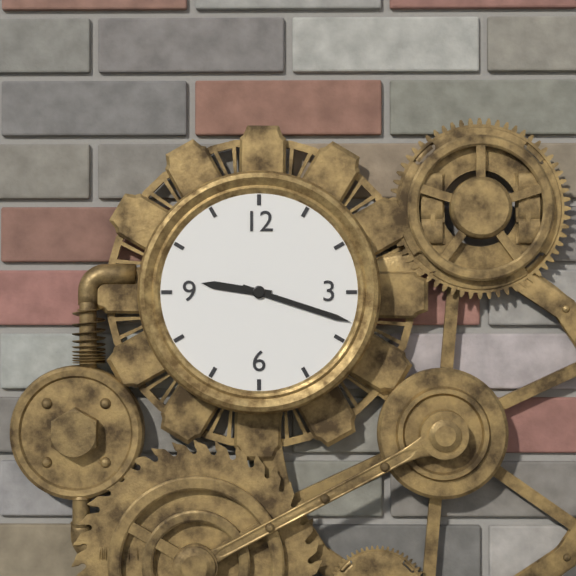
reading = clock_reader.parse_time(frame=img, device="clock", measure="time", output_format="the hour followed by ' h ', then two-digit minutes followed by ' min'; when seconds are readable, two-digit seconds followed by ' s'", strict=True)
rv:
9 h 18 min
